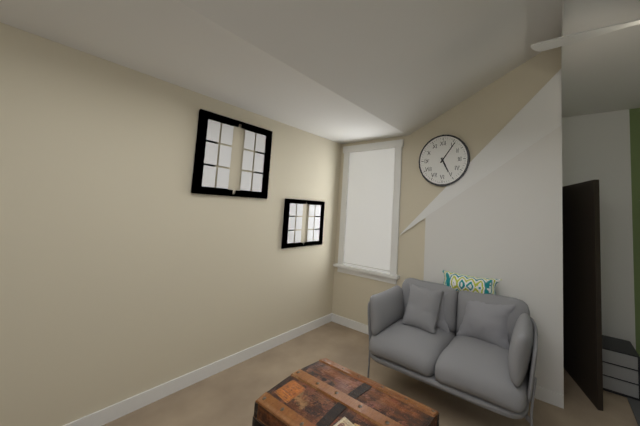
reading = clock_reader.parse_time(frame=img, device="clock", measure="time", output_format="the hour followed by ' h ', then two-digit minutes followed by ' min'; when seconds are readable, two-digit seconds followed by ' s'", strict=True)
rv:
5 h 06 min
